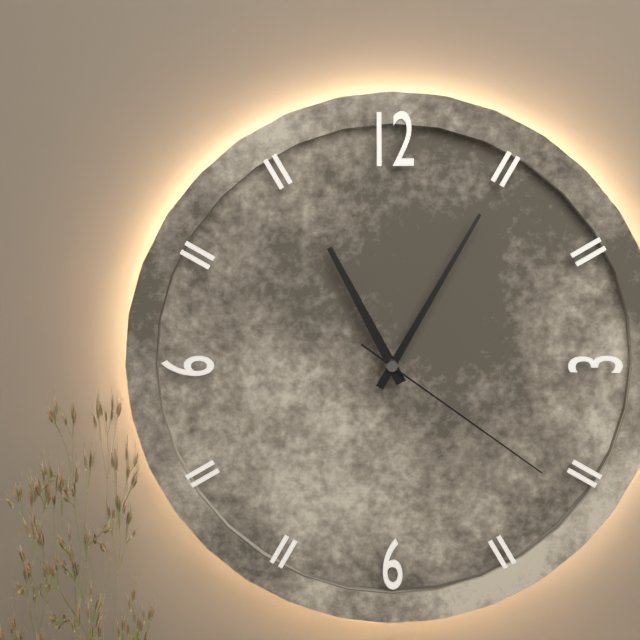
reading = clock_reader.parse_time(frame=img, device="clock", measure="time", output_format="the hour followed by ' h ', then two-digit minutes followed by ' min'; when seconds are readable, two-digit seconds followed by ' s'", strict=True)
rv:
11 h 05 min 21 s
